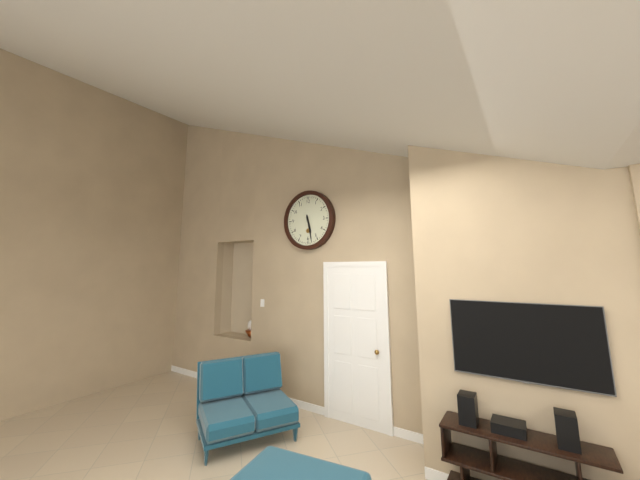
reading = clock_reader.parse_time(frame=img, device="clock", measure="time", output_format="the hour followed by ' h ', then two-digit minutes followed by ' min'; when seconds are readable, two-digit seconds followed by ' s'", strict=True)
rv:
5 h 28 min
